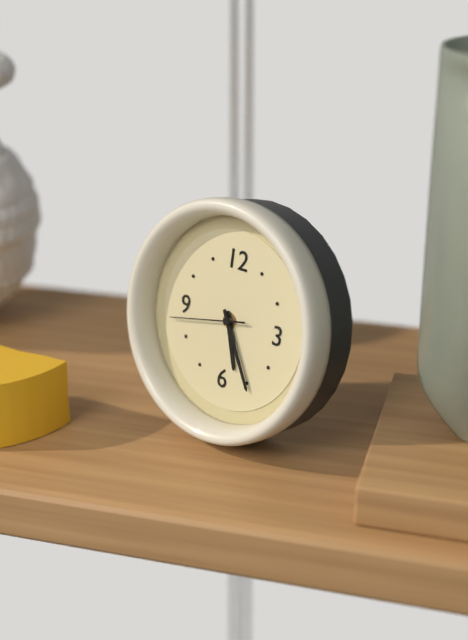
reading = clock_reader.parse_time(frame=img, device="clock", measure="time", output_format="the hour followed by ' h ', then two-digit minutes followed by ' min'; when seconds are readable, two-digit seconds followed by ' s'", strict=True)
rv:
5 h 25 min 43 s
